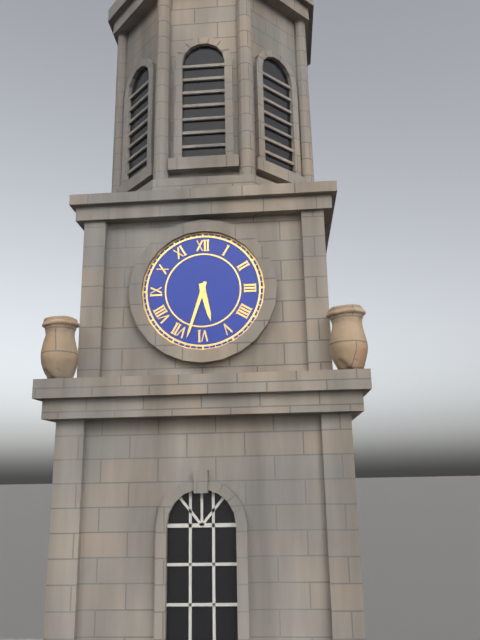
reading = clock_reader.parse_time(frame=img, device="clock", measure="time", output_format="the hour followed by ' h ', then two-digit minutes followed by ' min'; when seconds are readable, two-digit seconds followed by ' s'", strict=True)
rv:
5 h 33 min
